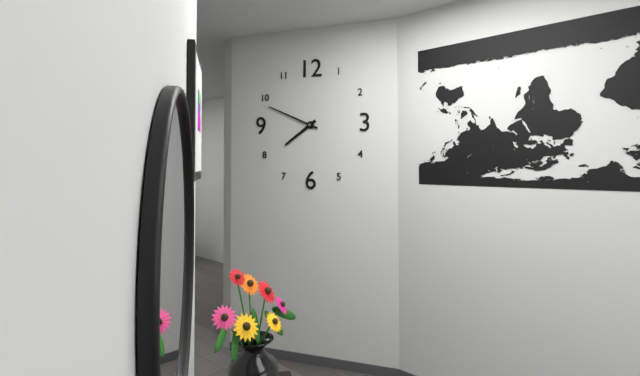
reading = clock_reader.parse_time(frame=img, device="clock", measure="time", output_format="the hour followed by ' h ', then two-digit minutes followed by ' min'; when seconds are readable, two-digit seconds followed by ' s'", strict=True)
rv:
7 h 49 min
